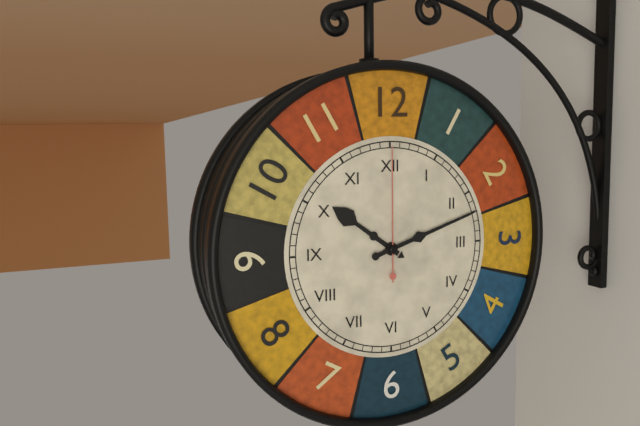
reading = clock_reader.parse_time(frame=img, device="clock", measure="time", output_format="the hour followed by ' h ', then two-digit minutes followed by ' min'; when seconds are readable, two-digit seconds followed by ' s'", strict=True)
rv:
10 h 12 min 00 s
